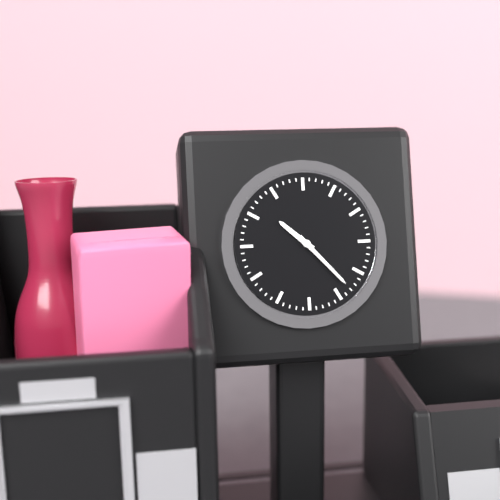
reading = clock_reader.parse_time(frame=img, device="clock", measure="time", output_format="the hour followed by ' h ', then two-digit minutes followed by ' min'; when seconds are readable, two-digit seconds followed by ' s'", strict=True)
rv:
10 h 23 min
